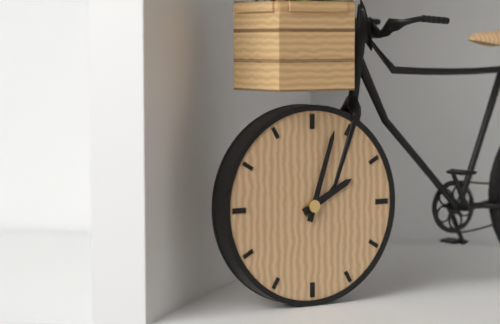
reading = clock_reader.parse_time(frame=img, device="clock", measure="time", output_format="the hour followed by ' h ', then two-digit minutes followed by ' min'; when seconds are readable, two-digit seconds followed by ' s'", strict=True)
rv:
2 h 03 min
